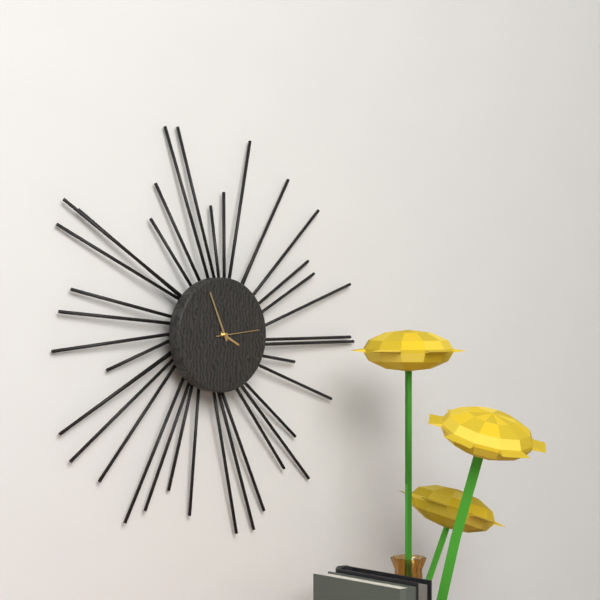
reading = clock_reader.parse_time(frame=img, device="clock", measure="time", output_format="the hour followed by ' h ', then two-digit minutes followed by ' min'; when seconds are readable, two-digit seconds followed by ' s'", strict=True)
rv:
3 h 56 min
